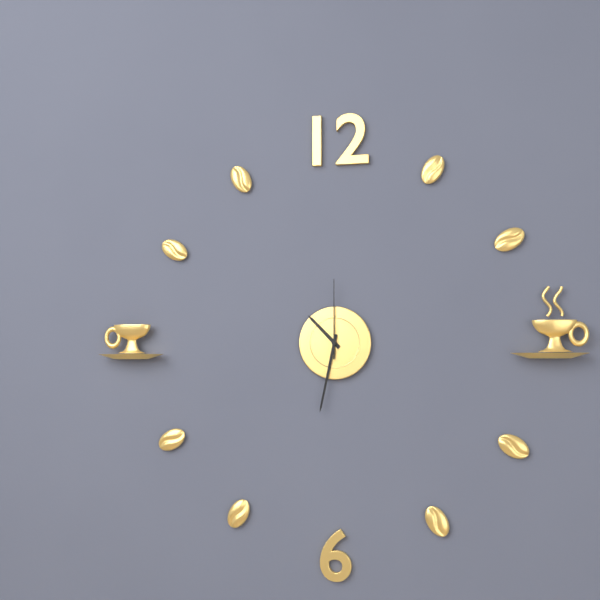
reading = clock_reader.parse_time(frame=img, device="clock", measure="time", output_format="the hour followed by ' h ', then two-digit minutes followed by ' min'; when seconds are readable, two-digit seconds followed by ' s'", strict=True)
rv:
10 h 32 min 00 s
